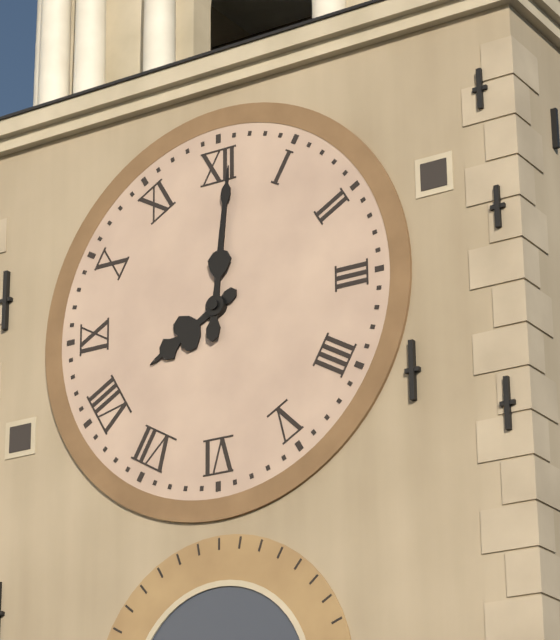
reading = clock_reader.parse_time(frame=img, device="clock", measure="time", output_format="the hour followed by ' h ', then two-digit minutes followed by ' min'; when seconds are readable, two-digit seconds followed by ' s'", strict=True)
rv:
8 h 01 min
